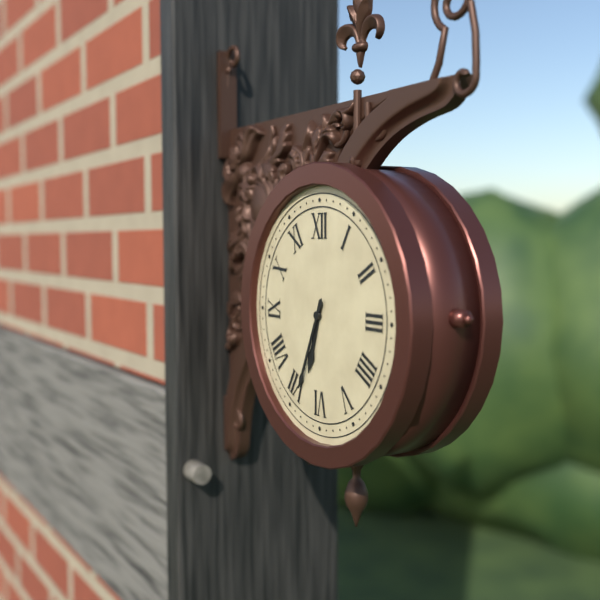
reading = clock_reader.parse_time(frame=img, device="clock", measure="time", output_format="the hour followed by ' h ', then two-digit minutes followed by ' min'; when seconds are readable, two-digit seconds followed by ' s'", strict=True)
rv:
6 h 34 min
